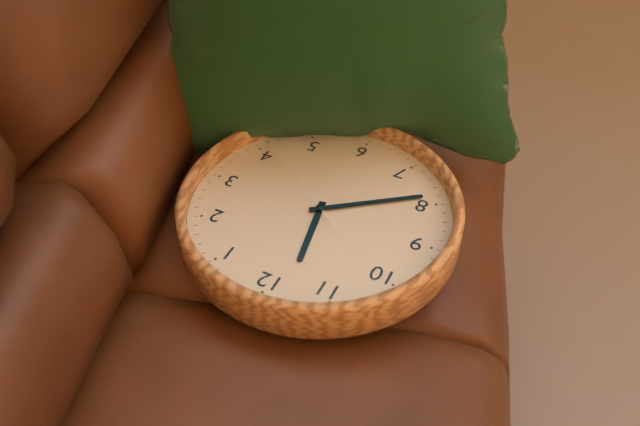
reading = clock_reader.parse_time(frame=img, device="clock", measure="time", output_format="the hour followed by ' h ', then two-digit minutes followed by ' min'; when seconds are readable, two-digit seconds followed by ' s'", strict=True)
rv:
11 h 39 min 21 s
